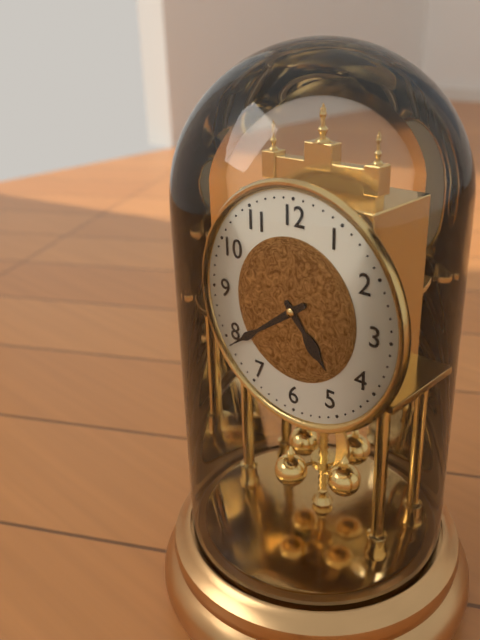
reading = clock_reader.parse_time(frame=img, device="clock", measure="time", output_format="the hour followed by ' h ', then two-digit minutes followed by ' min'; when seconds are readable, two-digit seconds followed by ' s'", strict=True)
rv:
4 h 39 min
